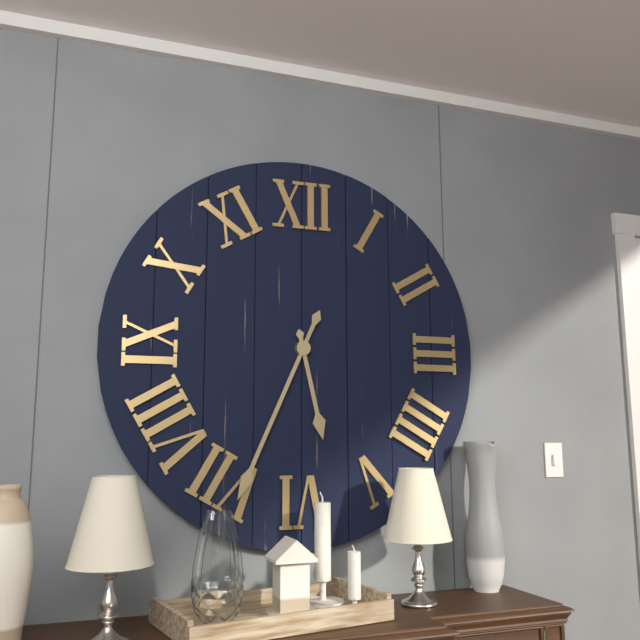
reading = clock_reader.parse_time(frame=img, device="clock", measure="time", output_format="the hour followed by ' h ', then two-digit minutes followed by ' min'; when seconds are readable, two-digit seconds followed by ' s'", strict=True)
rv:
5 h 34 min
